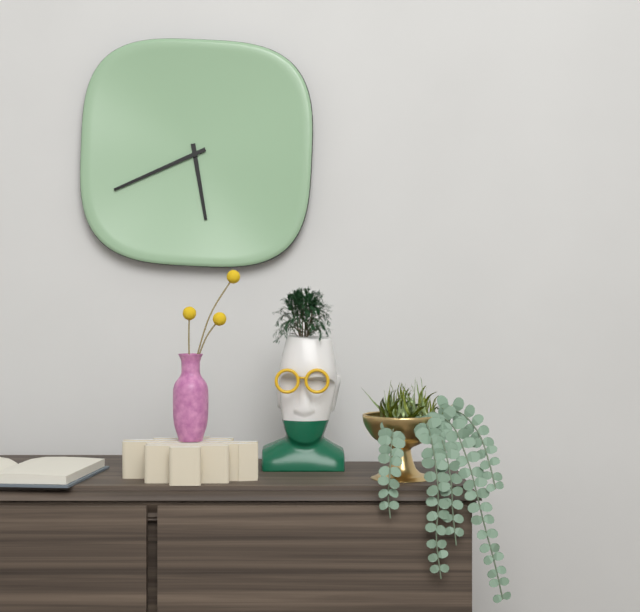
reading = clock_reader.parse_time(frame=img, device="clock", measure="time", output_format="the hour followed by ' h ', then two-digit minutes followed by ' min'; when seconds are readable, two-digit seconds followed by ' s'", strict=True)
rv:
5 h 41 min
